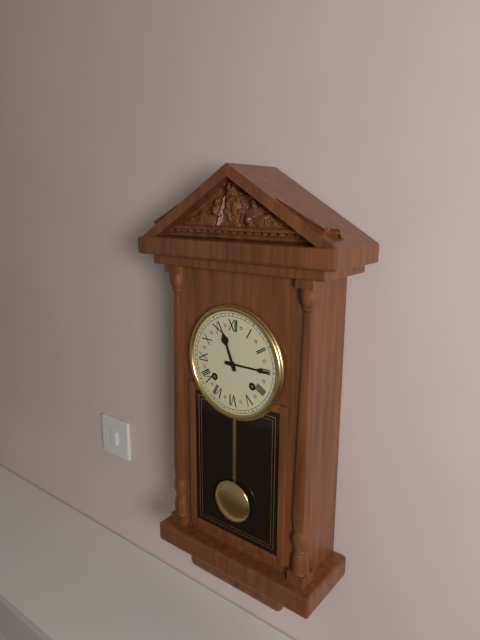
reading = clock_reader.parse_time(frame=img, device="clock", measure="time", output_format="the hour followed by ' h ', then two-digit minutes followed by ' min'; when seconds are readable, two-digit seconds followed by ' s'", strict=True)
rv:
11 h 15 min
